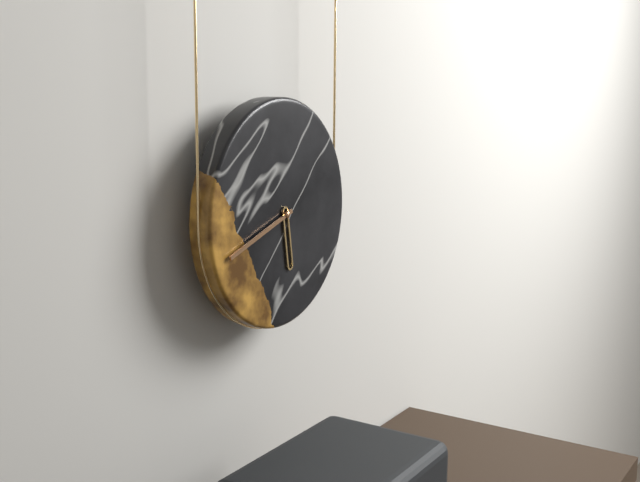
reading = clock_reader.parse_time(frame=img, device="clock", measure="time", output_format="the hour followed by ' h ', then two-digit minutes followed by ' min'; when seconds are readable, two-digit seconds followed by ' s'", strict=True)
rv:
5 h 42 min
